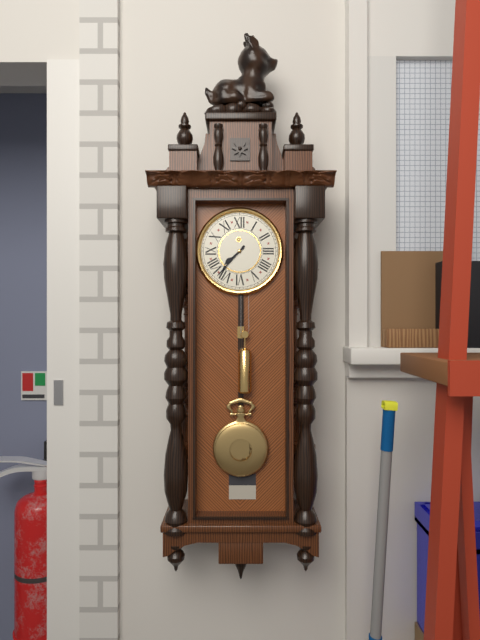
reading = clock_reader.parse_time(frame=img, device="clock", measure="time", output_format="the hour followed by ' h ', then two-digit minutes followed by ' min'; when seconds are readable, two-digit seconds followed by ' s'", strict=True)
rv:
7 h 37 min
